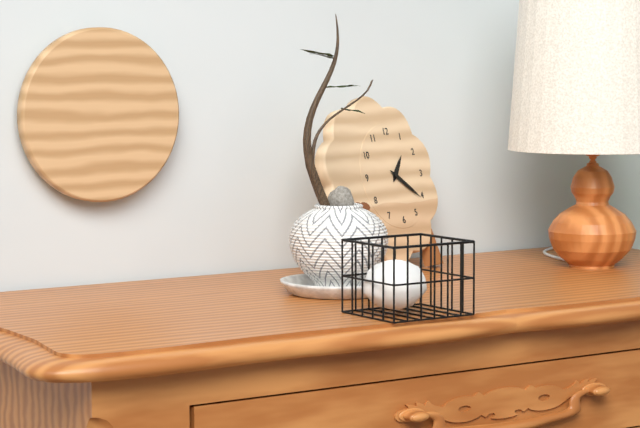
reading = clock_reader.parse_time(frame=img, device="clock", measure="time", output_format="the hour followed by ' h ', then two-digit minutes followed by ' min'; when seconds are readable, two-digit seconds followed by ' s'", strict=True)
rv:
1 h 21 min
